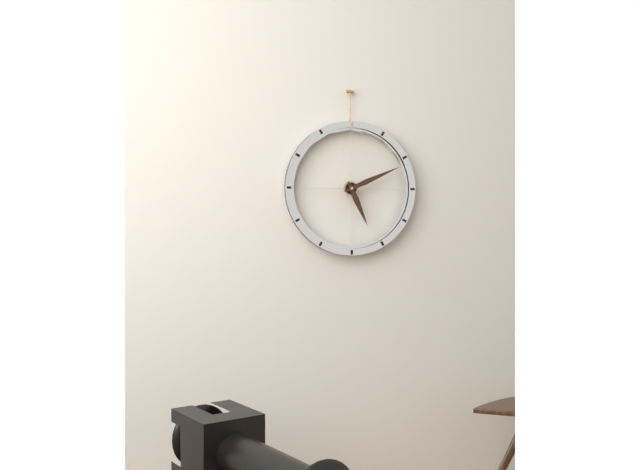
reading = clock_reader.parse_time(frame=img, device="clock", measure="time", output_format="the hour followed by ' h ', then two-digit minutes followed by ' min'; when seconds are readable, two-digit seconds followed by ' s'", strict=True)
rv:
5 h 11 min
